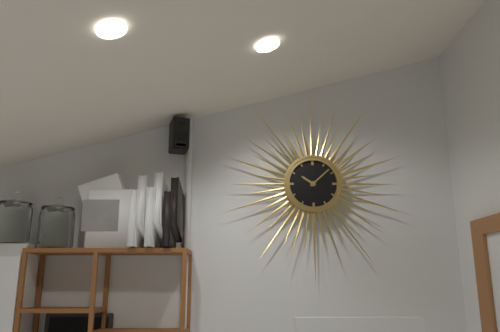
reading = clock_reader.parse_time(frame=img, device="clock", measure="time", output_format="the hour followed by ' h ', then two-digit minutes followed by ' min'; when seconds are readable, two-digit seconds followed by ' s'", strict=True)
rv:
10 h 08 min
